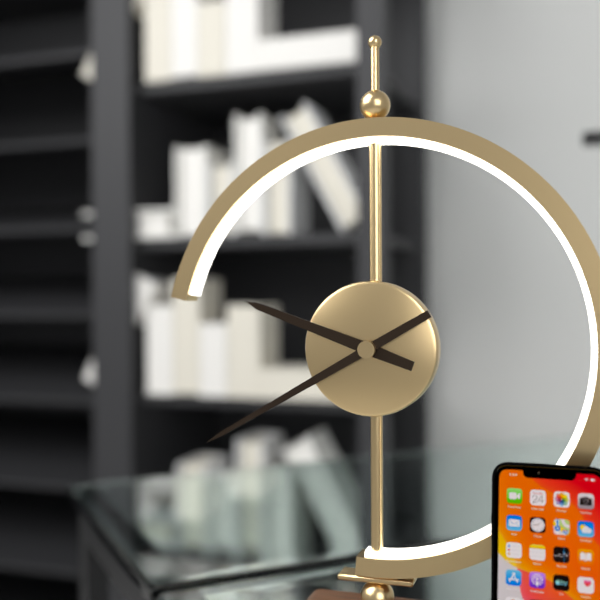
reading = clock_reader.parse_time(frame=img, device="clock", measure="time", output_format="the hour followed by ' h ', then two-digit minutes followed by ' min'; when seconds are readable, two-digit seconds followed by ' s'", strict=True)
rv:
9 h 40 min
